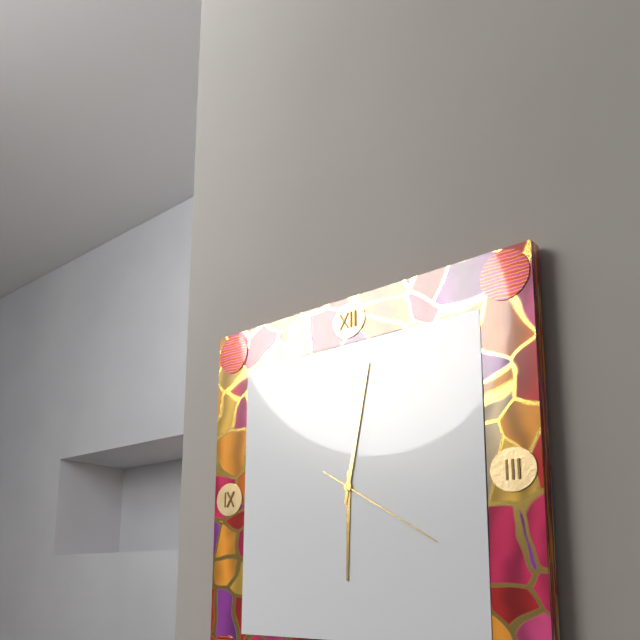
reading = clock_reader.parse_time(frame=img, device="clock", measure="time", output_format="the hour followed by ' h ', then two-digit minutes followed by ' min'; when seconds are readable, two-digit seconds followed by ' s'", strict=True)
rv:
6 h 02 min 20 s
